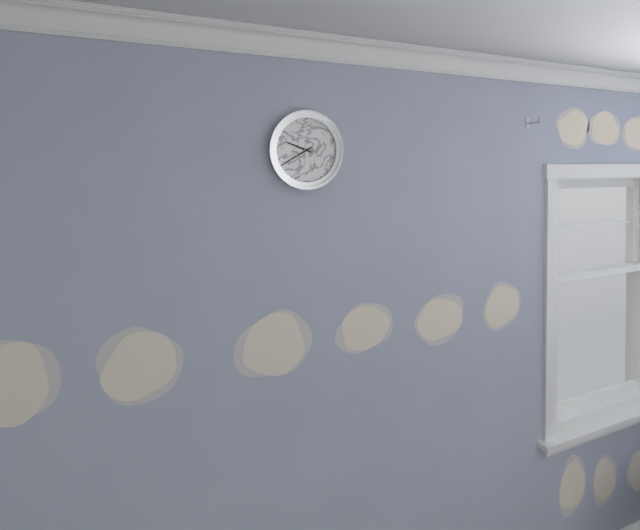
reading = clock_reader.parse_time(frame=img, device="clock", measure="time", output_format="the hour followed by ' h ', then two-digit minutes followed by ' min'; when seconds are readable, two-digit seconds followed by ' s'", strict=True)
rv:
9 h 40 min
